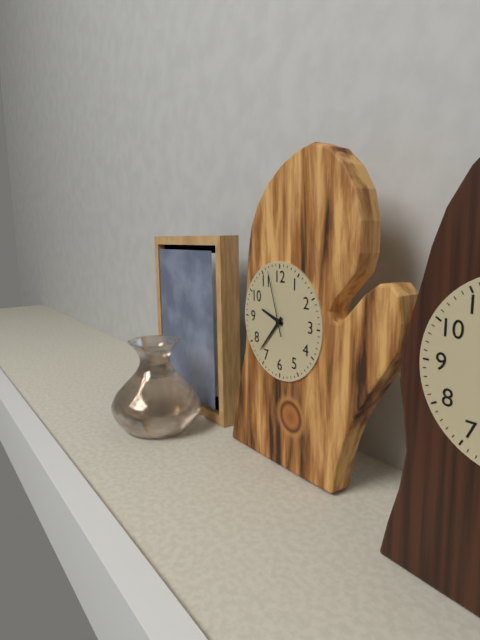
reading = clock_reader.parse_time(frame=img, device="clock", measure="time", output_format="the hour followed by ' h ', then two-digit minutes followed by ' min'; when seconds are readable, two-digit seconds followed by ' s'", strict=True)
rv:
9 h 37 min 57 s
